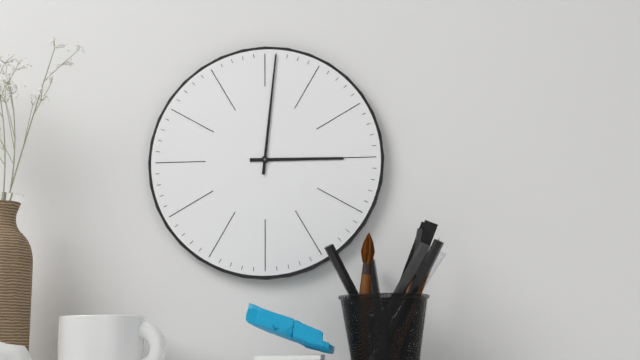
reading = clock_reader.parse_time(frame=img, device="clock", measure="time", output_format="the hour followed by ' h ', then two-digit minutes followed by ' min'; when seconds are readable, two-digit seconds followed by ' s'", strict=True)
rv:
3 h 01 min
